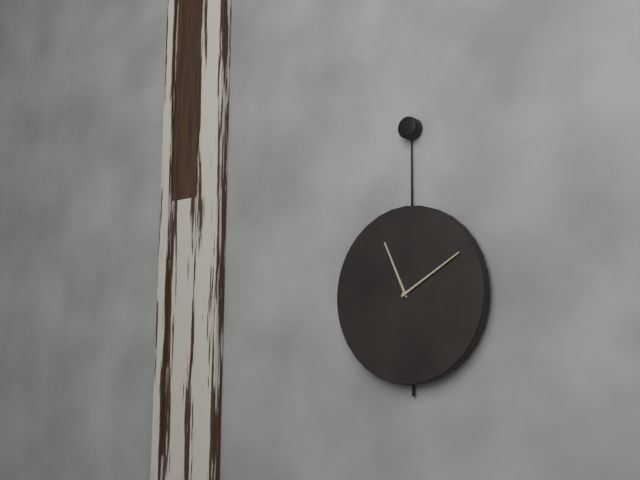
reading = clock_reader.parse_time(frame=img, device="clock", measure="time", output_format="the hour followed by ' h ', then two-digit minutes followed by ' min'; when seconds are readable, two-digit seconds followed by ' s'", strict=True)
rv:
11 h 10 min
